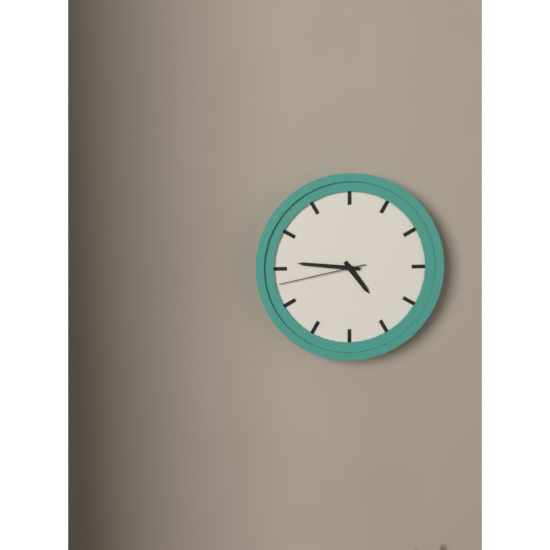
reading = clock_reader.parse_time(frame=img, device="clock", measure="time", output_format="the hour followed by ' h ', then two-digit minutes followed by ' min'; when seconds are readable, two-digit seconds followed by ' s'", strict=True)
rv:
4 h 46 min 43 s
